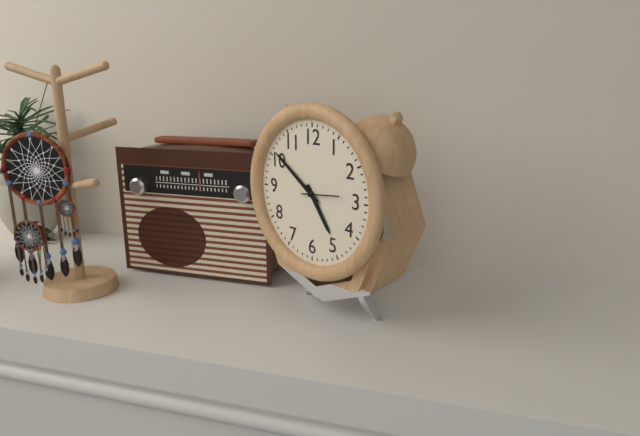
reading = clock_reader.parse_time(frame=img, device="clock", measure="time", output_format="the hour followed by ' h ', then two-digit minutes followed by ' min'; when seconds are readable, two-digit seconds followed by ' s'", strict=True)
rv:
4 h 51 min
